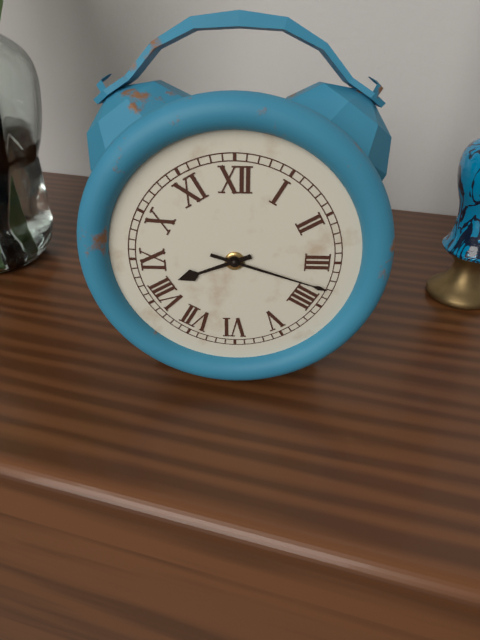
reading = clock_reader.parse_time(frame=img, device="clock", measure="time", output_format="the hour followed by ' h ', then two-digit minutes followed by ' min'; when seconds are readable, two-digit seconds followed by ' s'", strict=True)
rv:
8 h 18 min
